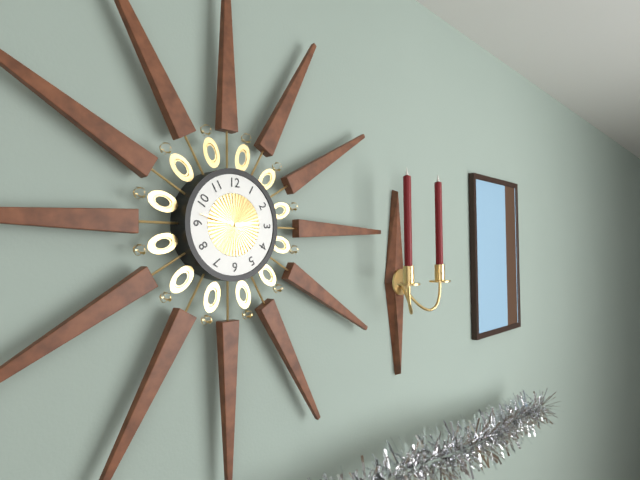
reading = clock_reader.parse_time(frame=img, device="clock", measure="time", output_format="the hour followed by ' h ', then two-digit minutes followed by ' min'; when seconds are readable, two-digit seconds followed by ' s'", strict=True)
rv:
2 h 47 min
